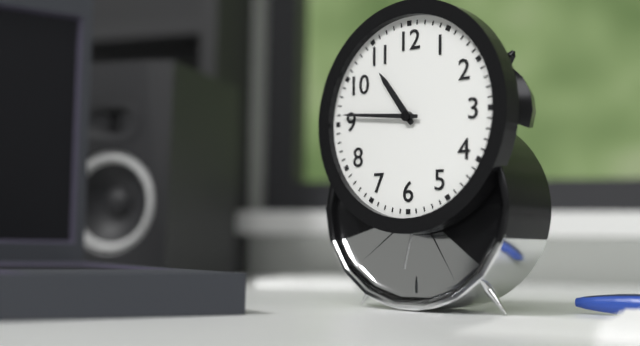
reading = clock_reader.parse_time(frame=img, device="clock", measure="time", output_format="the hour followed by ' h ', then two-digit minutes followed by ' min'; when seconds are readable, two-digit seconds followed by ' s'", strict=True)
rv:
10 h 46 min
